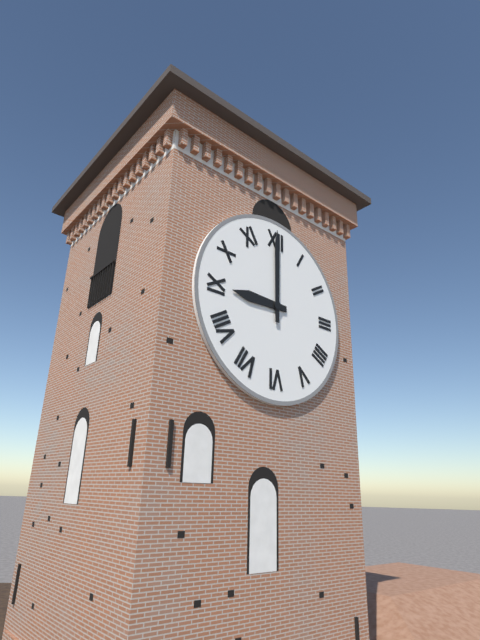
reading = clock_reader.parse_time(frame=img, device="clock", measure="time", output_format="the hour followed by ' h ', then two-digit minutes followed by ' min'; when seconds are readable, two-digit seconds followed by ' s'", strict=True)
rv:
9 h 00 min
